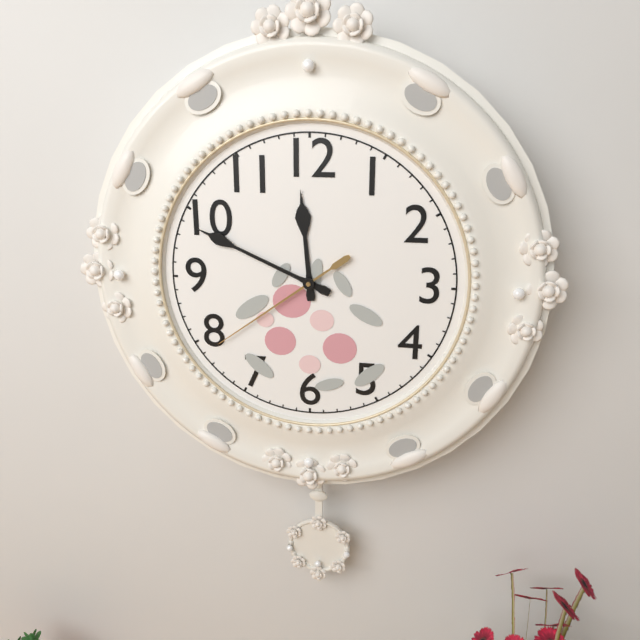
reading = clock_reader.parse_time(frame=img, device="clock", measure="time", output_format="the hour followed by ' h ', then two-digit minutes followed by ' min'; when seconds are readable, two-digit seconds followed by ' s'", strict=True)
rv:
11 h 49 min 39 s
